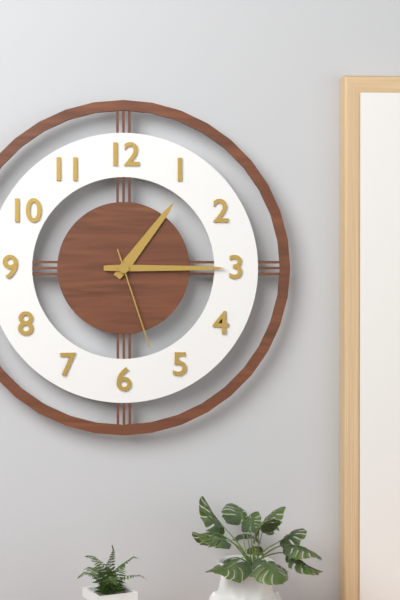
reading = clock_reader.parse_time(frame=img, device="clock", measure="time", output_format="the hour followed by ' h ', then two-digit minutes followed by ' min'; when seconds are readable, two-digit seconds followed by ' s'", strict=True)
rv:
1 h 15 min 27 s
